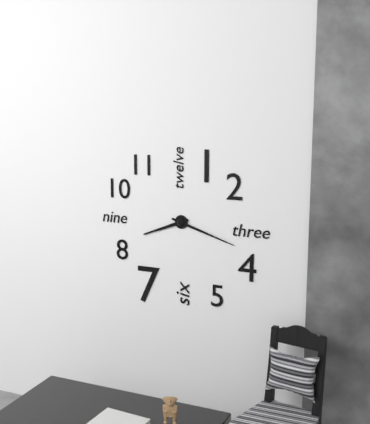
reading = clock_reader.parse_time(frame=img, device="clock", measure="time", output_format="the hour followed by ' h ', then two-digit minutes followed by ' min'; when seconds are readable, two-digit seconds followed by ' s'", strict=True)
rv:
8 h 18 min
